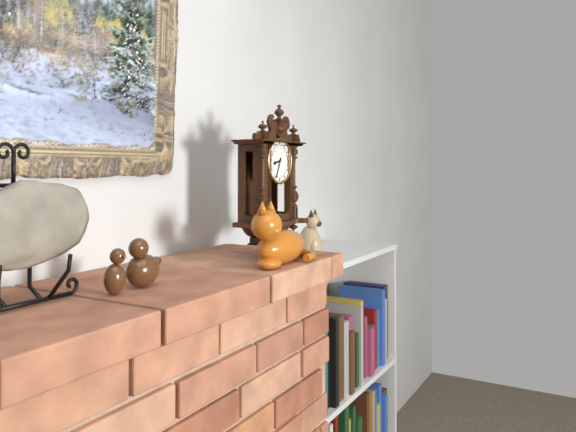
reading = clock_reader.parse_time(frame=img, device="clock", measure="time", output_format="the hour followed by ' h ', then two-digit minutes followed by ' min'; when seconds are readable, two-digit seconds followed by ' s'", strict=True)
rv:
8 h 34 min
